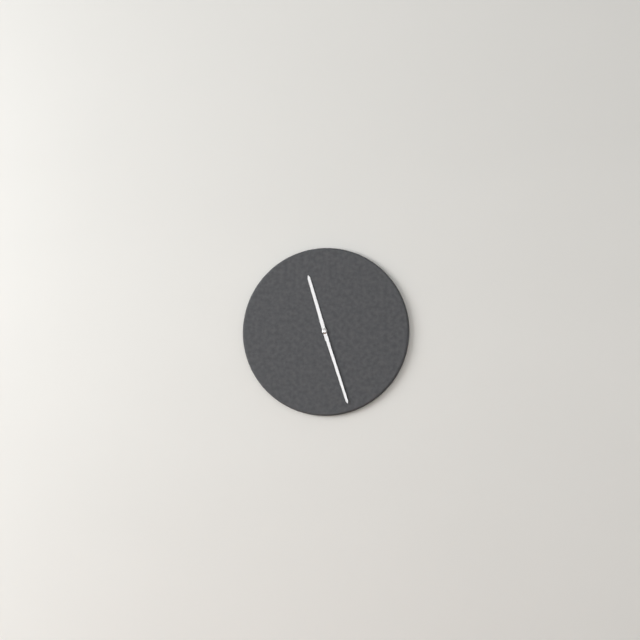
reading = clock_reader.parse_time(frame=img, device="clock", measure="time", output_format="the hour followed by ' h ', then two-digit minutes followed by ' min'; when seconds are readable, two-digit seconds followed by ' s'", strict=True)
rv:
11 h 27 min
